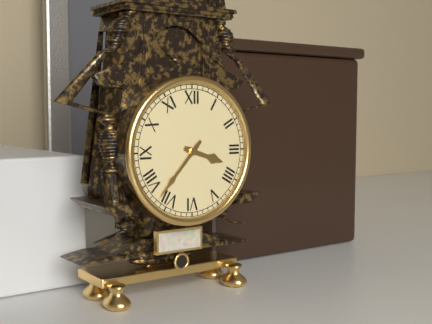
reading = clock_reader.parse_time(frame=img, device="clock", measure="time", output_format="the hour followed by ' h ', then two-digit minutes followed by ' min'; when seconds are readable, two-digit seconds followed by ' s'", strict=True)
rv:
3 h 37 min
